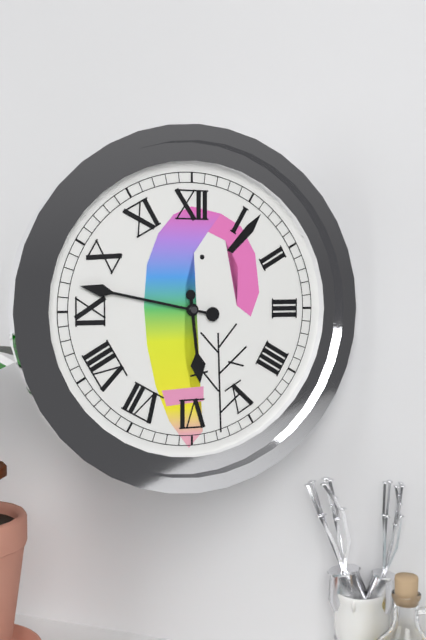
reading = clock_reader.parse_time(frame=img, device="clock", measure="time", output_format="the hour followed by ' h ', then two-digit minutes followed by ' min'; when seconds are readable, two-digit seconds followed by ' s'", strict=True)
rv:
5 h 47 min
